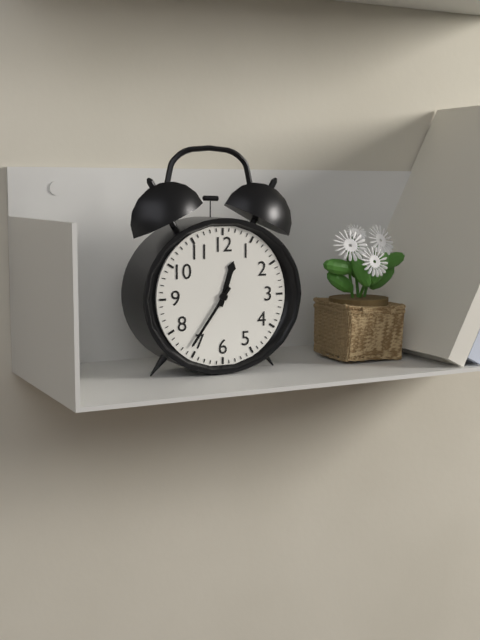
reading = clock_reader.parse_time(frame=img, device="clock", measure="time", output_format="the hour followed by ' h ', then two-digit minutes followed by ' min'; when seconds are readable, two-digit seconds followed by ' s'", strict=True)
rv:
12 h 36 min
